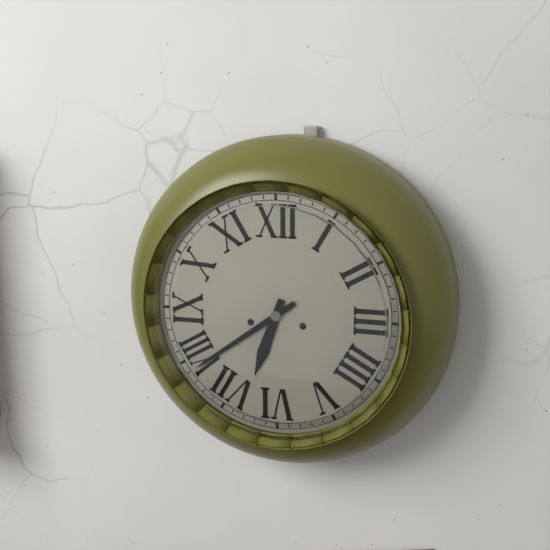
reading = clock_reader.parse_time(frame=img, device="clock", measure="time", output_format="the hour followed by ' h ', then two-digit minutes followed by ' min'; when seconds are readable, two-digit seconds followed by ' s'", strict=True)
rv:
6 h 39 min
